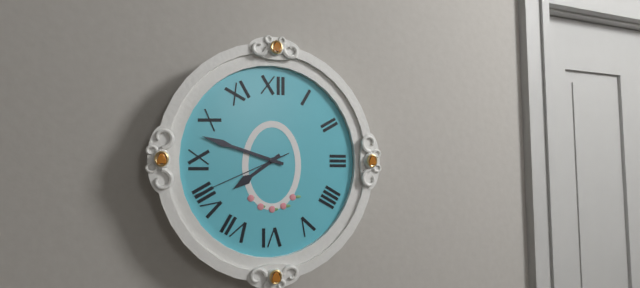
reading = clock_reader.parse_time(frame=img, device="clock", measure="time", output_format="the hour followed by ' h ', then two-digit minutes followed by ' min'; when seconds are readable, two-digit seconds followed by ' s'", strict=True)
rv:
7 h 48 min 41 s
